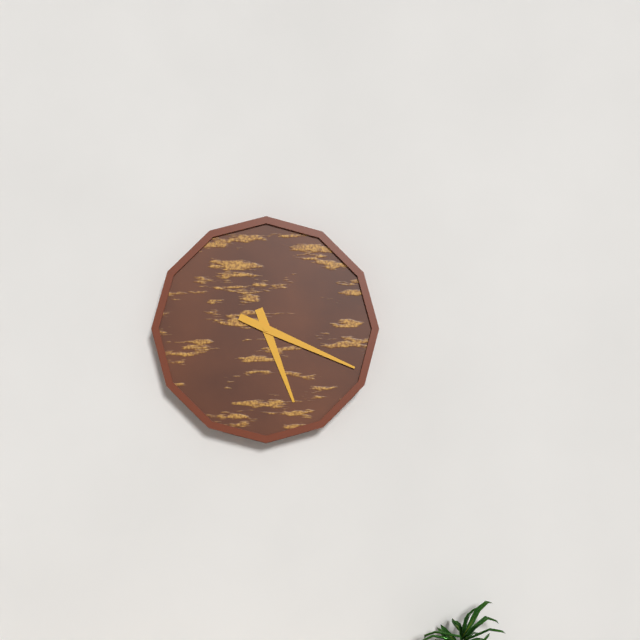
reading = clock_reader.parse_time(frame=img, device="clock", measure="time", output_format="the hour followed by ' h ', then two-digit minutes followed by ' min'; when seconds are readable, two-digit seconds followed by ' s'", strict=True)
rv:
5 h 19 min
